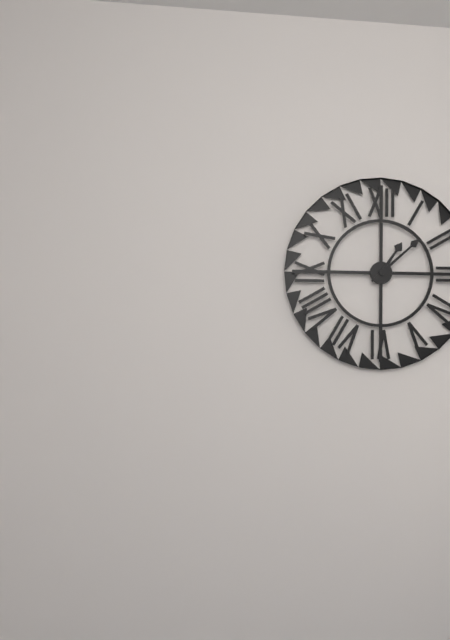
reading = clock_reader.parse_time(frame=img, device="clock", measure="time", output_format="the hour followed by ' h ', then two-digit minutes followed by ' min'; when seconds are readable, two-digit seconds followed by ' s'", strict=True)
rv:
1 h 08 min
